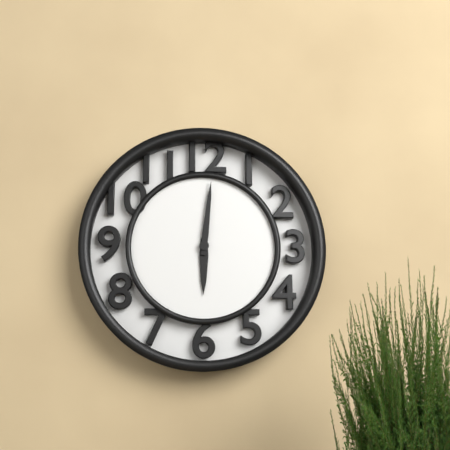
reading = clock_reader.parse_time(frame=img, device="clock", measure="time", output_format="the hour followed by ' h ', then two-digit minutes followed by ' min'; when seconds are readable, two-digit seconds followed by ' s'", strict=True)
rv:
6 h 01 min
